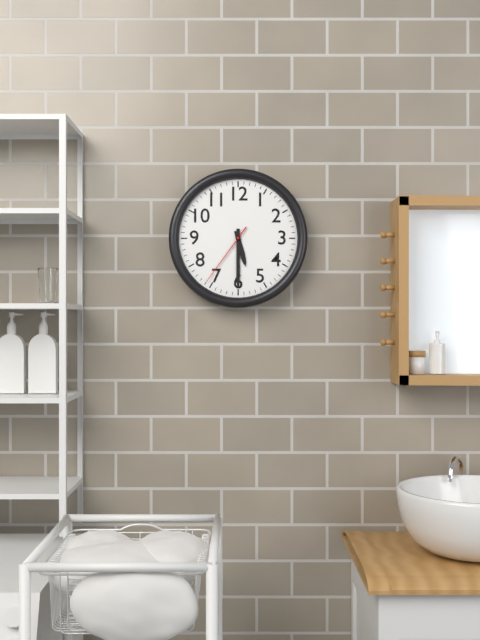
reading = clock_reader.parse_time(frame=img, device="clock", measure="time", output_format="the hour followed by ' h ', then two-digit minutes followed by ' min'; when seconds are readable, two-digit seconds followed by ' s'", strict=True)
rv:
5 h 30 min 36 s
